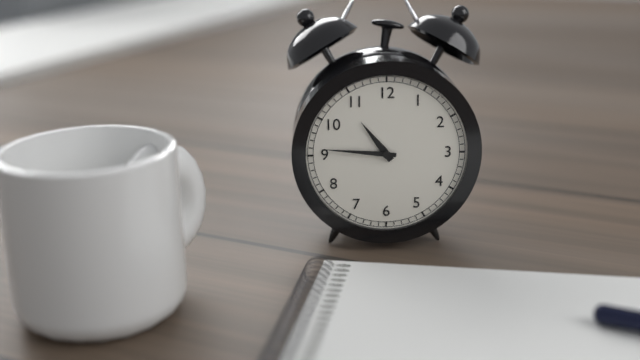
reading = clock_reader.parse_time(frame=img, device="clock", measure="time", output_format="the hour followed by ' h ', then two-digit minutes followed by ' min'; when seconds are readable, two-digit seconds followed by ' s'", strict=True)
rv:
10 h 46 min
